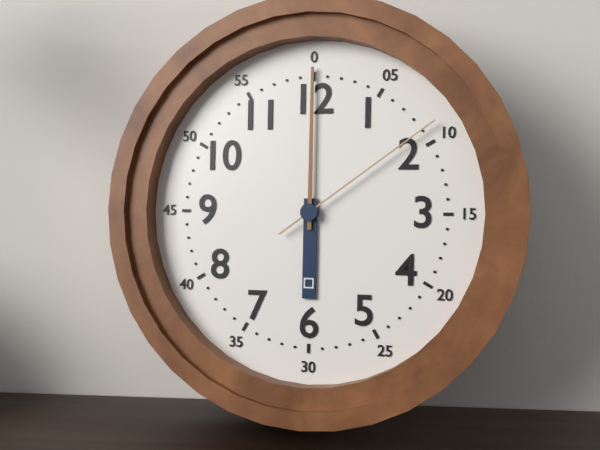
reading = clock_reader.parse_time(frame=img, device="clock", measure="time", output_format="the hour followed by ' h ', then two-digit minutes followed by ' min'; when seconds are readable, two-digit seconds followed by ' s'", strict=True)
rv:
6 h 00 min 09 s
